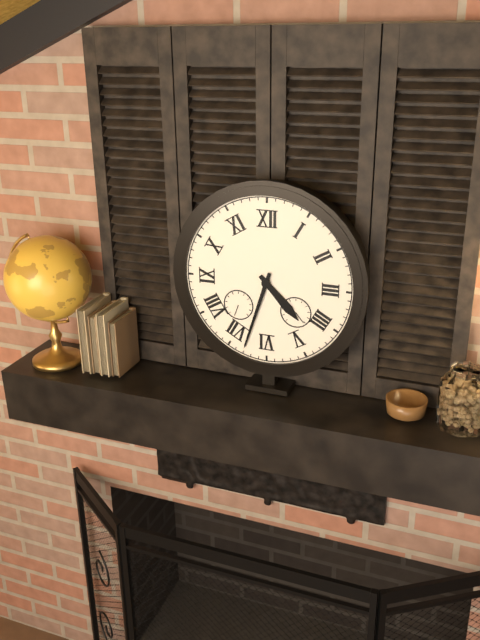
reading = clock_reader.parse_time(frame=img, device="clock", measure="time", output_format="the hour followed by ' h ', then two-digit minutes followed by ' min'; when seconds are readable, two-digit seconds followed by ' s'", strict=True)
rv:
4 h 33 min
